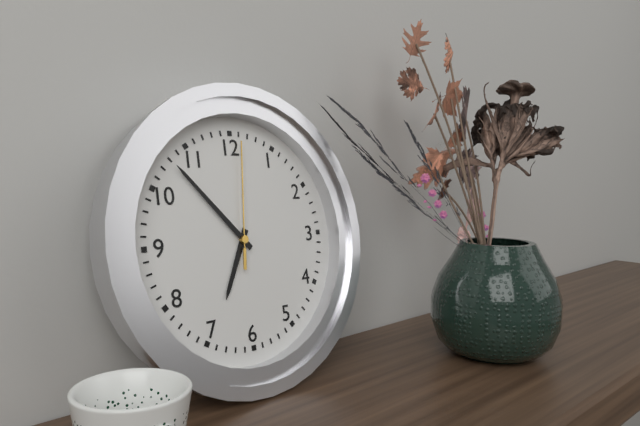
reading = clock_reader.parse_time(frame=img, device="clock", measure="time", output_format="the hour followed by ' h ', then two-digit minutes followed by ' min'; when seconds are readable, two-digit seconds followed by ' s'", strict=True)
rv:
6 h 53 min 01 s
